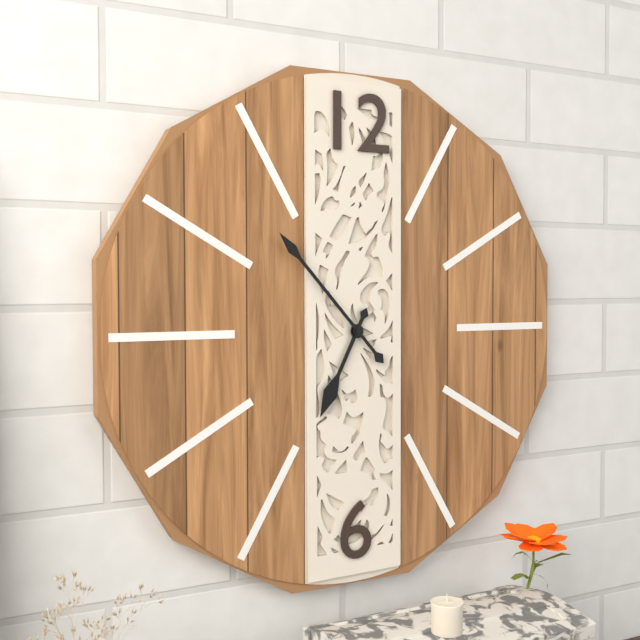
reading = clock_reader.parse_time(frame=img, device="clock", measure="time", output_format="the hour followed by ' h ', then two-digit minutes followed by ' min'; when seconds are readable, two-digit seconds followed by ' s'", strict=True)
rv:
6 h 53 min
